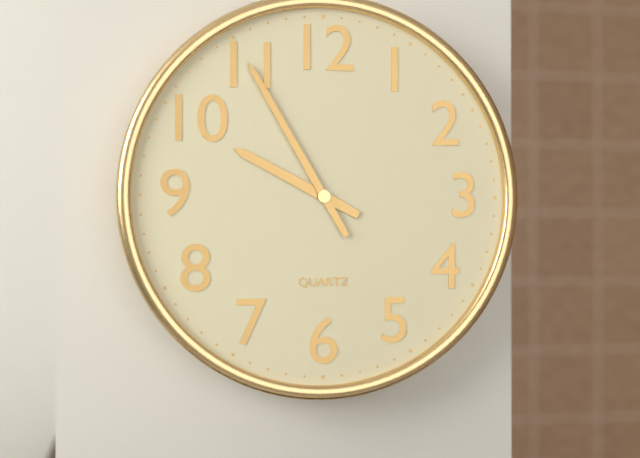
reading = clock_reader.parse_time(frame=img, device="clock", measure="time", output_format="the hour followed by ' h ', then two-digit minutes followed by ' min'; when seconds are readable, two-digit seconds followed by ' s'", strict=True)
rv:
9 h 55 min
